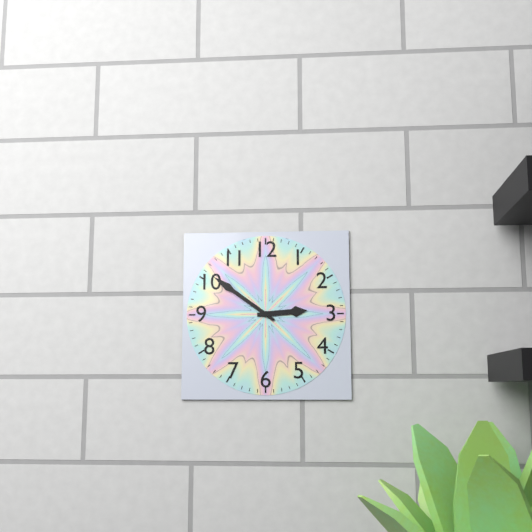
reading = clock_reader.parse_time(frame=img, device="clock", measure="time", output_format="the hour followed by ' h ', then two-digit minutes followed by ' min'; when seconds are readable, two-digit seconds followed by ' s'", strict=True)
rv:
2 h 51 min
